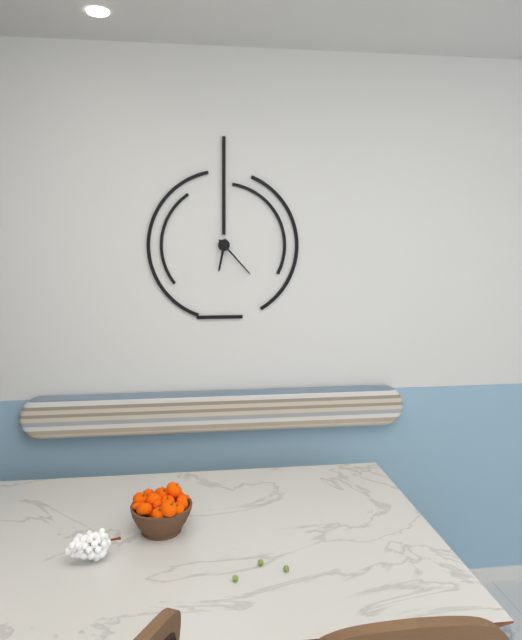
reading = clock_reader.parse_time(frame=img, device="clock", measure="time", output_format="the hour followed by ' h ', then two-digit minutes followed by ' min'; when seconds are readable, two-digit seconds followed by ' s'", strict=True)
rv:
6 h 23 min
